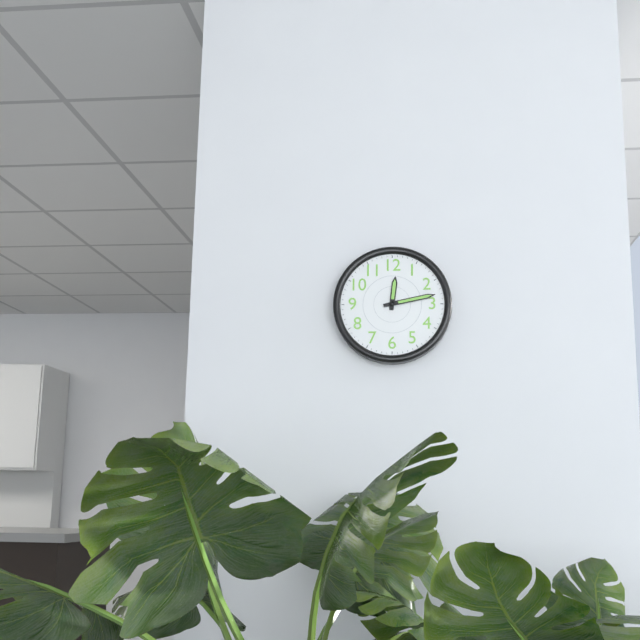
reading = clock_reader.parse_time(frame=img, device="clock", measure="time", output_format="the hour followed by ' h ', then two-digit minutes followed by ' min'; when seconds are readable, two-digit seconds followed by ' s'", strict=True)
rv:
12 h 13 min
